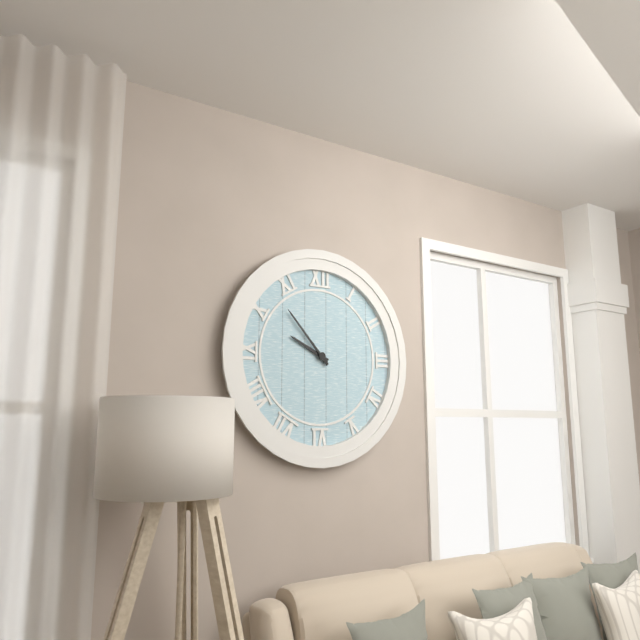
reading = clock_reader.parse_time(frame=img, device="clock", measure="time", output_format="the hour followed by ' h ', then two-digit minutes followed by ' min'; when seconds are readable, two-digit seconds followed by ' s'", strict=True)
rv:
9 h 53 min
